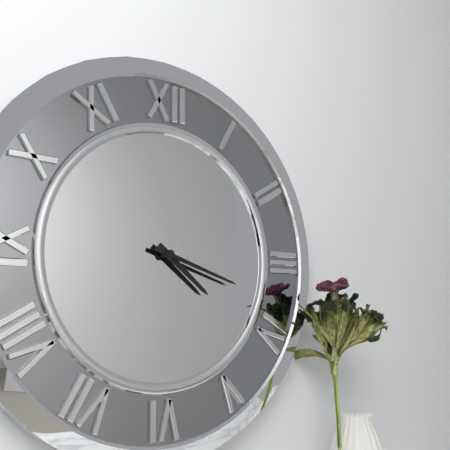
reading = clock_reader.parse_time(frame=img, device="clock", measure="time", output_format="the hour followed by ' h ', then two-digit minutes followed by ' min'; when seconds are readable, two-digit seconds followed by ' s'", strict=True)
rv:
4 h 18 min
